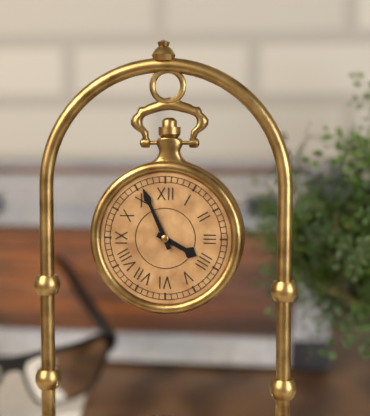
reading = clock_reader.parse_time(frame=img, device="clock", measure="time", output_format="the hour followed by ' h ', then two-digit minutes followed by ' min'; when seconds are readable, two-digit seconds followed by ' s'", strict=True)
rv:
3 h 56 min
